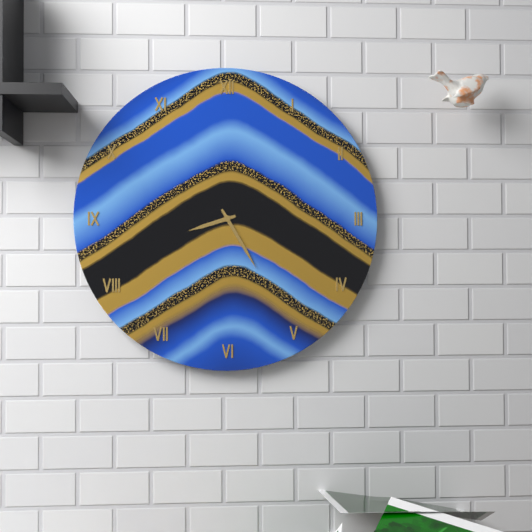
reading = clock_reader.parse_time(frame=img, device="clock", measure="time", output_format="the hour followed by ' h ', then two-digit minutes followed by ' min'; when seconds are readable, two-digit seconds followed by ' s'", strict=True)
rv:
8 h 25 min
